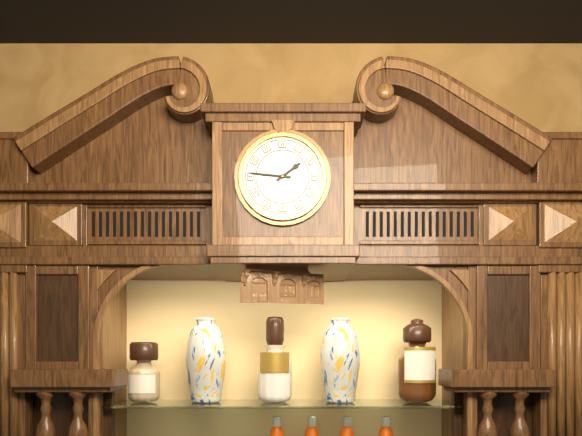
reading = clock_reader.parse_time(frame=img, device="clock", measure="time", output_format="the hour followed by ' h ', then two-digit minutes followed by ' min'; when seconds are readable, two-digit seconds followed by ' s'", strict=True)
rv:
1 h 46 min
